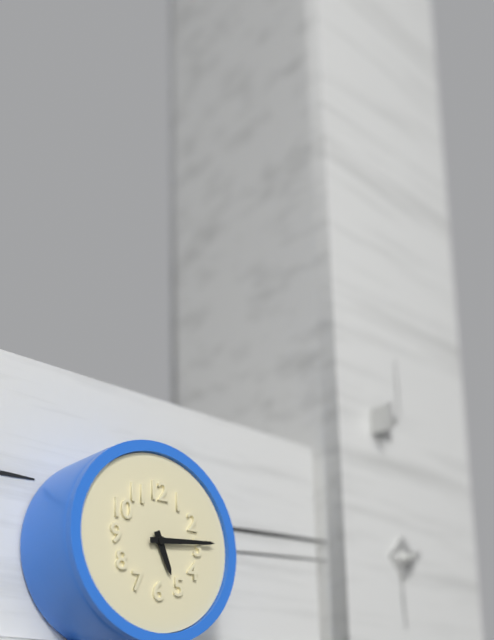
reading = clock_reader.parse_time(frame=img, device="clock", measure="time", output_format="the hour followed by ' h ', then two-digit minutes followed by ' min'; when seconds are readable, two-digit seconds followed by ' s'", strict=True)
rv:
5 h 14 min
